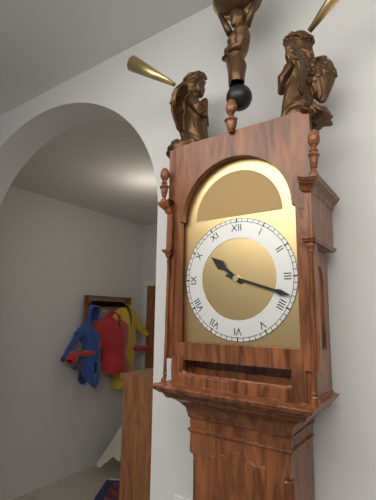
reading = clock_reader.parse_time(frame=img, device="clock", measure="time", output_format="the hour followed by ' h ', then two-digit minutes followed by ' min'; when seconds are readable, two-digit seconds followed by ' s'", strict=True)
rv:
10 h 18 min
